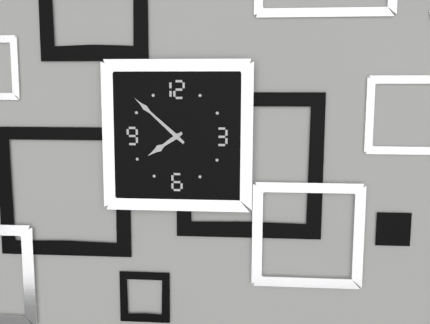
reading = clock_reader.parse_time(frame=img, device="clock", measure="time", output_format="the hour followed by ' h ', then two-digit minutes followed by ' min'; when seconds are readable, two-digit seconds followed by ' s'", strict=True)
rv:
7 h 52 min
